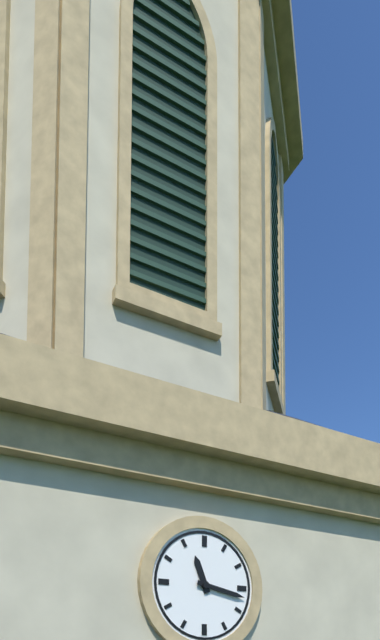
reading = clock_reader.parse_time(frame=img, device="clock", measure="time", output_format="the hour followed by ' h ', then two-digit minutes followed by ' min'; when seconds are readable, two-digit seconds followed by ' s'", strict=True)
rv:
11 h 17 min
